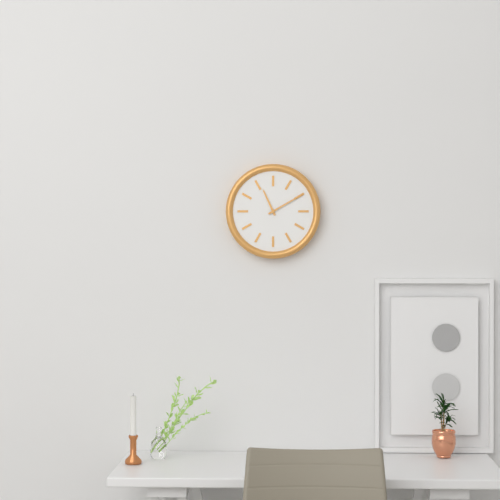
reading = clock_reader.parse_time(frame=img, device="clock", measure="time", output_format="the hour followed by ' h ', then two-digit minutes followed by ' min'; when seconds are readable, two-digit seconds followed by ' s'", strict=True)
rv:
11 h 10 min
